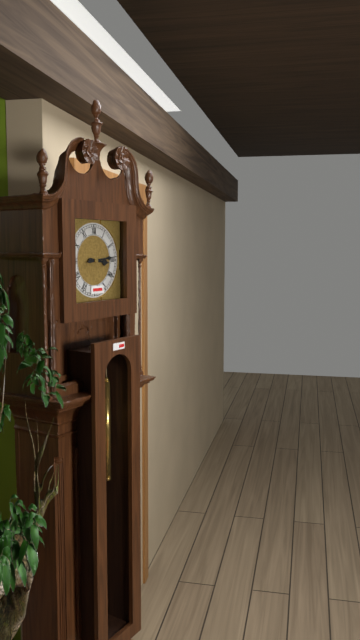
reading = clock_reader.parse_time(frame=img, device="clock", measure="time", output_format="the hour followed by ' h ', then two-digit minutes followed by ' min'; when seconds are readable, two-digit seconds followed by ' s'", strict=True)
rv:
3 h 14 min
